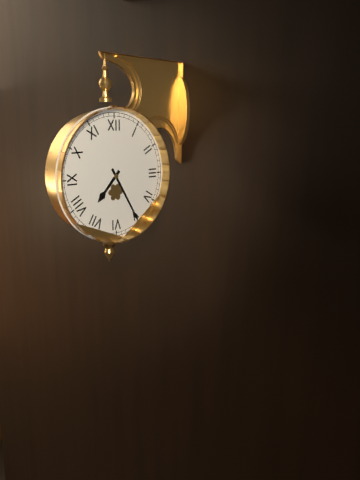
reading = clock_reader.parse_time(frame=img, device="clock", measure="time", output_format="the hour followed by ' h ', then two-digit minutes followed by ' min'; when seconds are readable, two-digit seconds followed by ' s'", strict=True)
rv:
7 h 25 min
